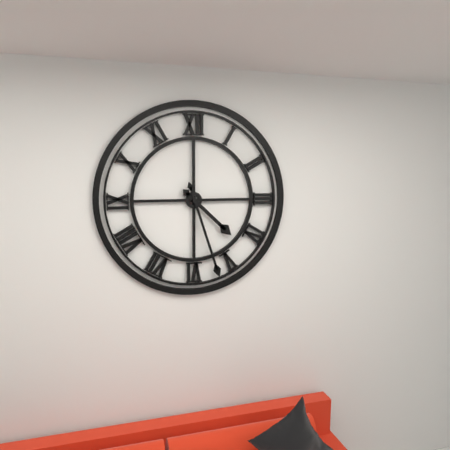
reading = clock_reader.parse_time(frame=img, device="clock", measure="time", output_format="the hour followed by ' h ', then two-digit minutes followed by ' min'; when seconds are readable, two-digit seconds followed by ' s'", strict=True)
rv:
4 h 27 min
